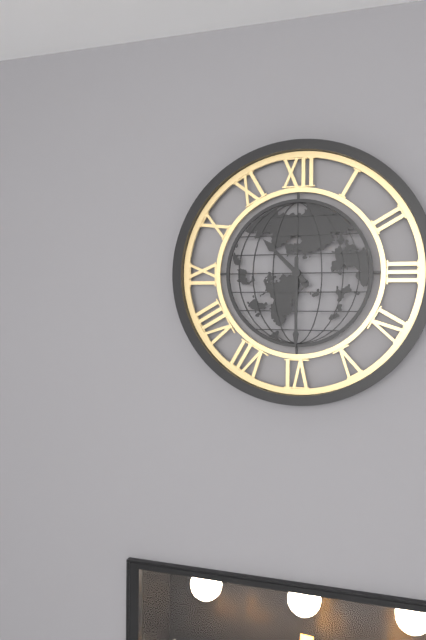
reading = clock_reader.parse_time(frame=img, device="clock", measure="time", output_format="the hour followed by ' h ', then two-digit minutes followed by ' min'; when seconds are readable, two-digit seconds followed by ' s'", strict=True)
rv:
10 h 30 min
